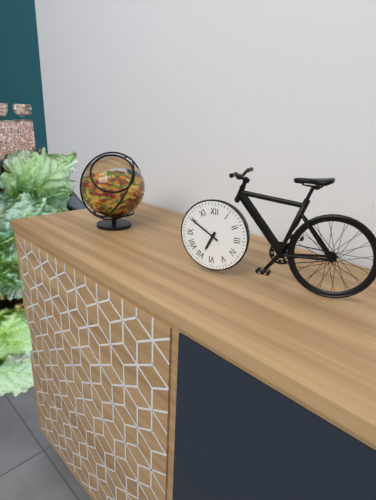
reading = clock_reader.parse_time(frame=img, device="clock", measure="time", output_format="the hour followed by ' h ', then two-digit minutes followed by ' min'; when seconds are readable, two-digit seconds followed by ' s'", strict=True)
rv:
6 h 50 min
